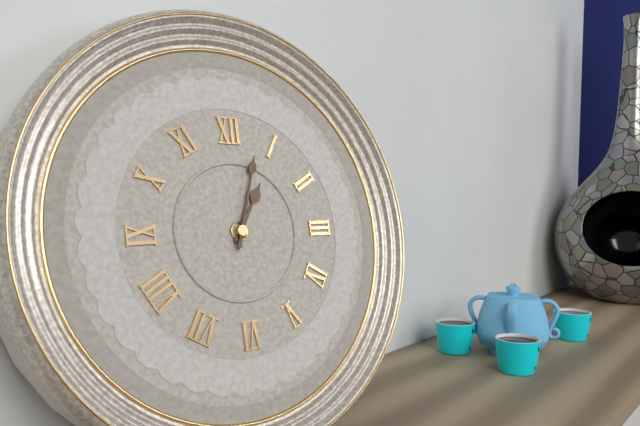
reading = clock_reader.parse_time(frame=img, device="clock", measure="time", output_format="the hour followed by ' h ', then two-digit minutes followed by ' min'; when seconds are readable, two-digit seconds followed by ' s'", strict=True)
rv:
1 h 03 min
